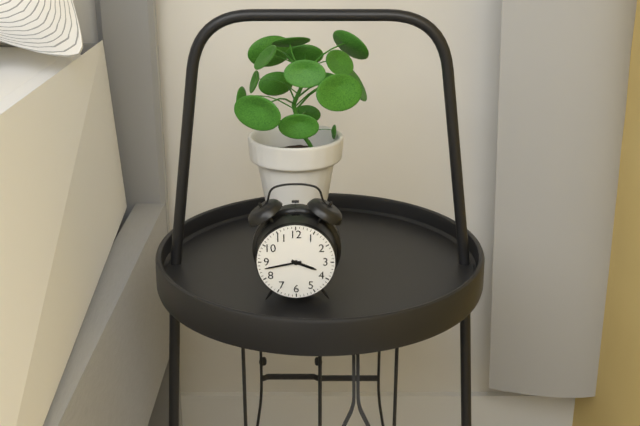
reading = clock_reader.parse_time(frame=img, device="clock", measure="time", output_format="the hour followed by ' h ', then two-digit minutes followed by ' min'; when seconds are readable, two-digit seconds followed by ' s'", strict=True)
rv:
3 h 43 min
